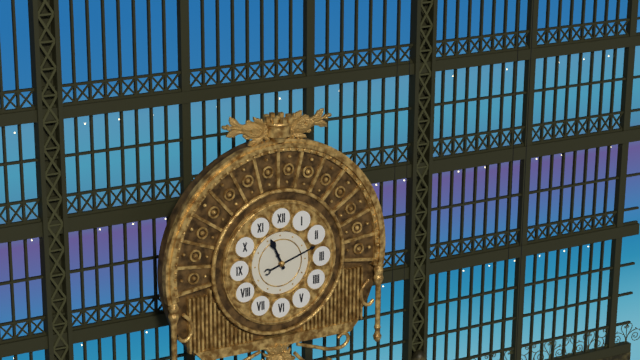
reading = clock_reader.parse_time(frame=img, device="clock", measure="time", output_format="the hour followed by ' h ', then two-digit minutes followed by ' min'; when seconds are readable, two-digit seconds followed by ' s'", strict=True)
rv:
11 h 12 min
